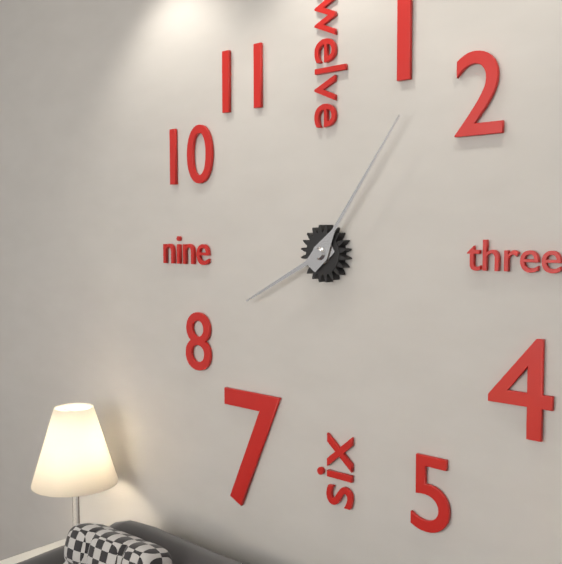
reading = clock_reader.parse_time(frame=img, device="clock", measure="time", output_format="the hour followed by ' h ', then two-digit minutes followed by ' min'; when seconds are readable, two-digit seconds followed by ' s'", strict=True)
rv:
8 h 06 min
